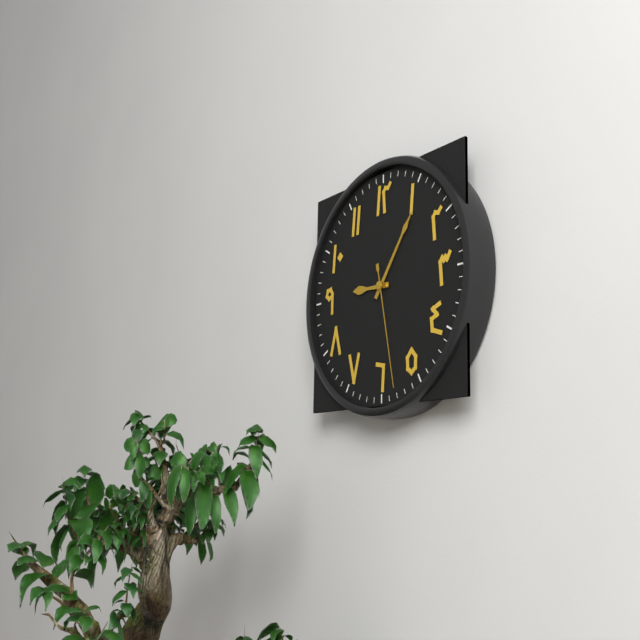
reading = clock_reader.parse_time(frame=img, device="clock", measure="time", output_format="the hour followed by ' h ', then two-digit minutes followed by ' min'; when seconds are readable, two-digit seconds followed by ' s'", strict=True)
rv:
9 h 06 min 28 s
